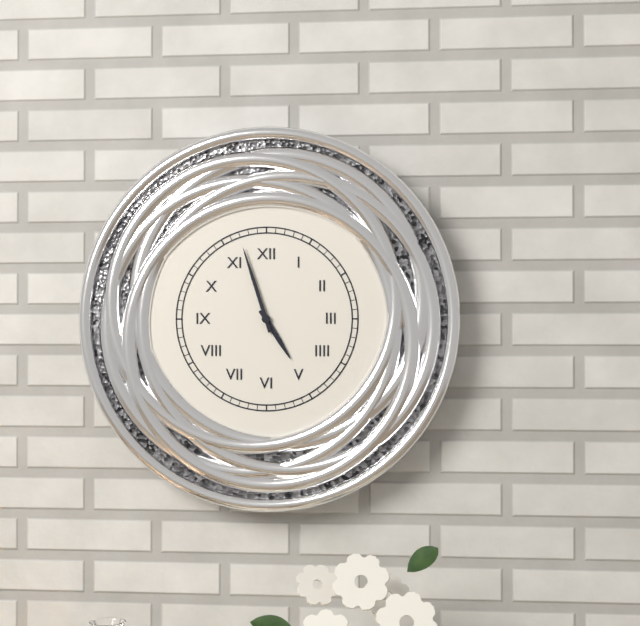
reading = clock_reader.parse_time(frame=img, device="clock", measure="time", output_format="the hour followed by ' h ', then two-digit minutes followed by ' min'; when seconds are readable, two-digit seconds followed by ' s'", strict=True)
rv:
4 h 57 min
